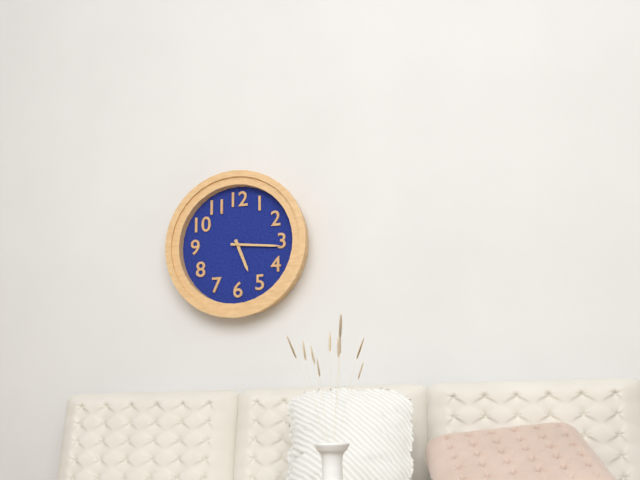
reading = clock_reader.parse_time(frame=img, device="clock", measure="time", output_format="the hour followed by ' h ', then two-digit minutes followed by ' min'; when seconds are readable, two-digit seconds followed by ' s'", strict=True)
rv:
5 h 16 min
